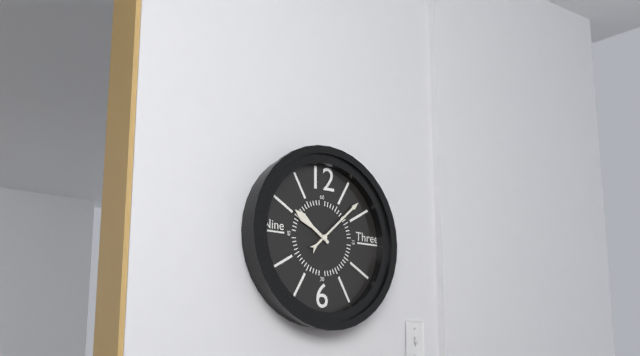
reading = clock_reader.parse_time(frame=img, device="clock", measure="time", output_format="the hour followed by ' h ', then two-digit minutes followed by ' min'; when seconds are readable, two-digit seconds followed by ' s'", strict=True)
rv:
10 h 08 min
